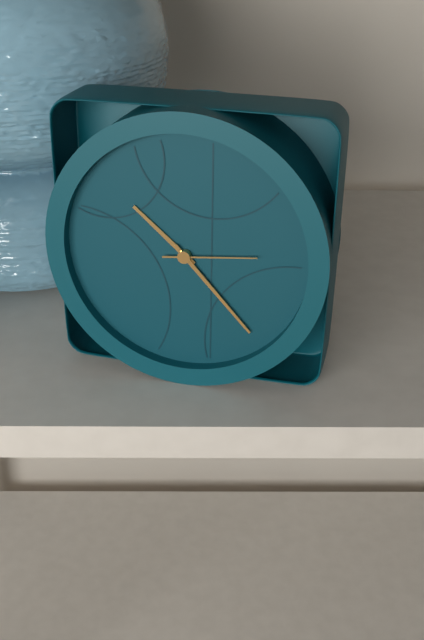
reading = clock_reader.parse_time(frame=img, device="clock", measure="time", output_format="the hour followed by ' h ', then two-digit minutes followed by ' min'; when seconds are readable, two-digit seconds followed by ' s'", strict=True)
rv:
10 h 23 min 14 s
